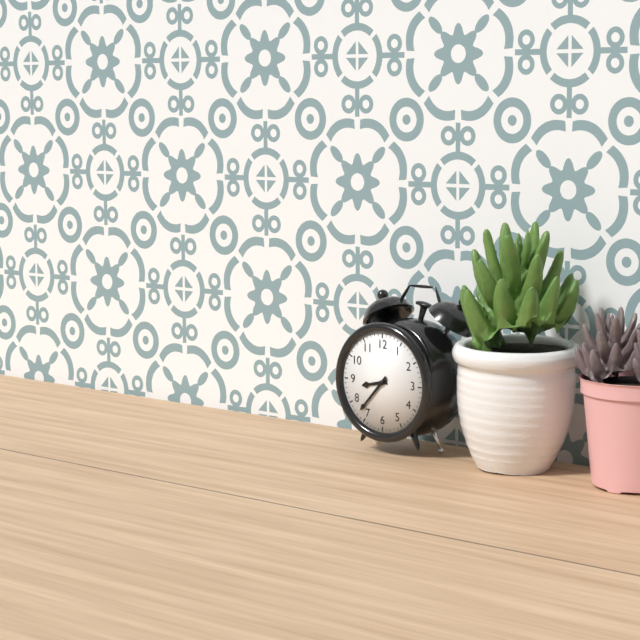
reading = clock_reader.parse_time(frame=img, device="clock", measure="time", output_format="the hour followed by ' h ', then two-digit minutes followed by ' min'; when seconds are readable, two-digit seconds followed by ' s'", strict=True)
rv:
8 h 37 min
